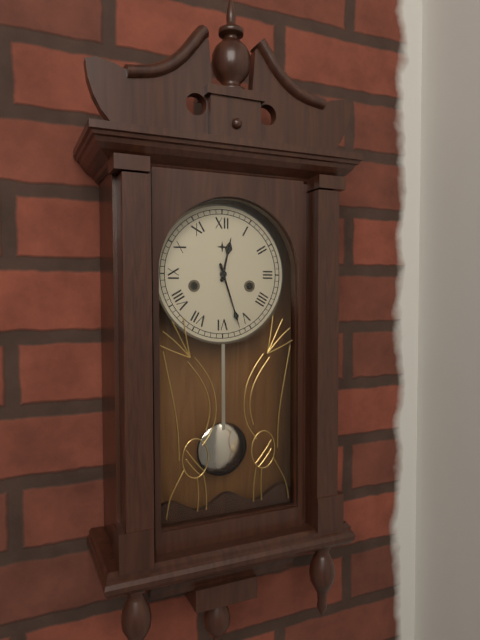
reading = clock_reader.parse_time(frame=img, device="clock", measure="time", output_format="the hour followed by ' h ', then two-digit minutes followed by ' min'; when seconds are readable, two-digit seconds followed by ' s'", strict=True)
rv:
12 h 27 min
